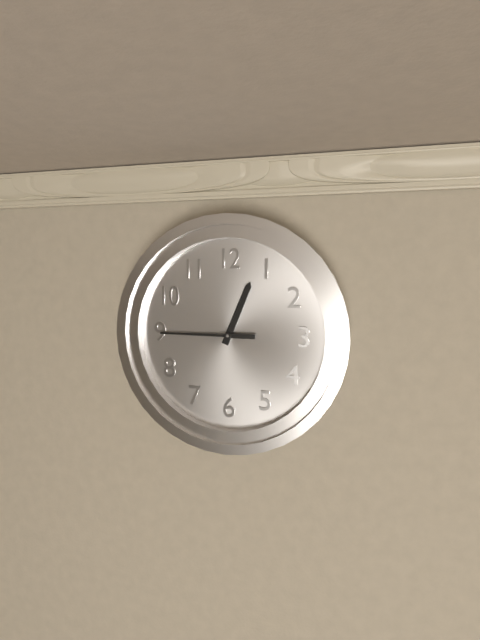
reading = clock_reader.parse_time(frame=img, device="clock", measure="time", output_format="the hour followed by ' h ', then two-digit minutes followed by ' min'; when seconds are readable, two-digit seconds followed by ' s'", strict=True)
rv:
12 h 45 min
